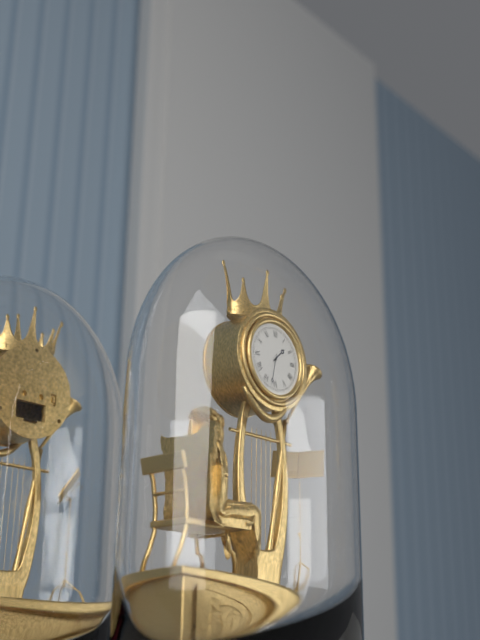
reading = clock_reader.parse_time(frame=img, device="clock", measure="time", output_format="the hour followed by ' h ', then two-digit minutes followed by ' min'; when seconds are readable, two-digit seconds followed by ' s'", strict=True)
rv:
1 h 32 min
